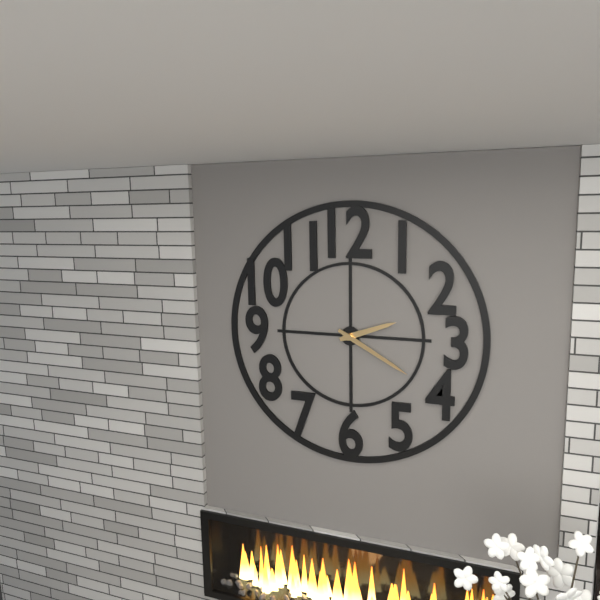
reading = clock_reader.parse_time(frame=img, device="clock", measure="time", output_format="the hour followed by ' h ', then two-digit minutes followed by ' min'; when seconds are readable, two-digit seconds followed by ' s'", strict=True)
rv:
2 h 20 min
